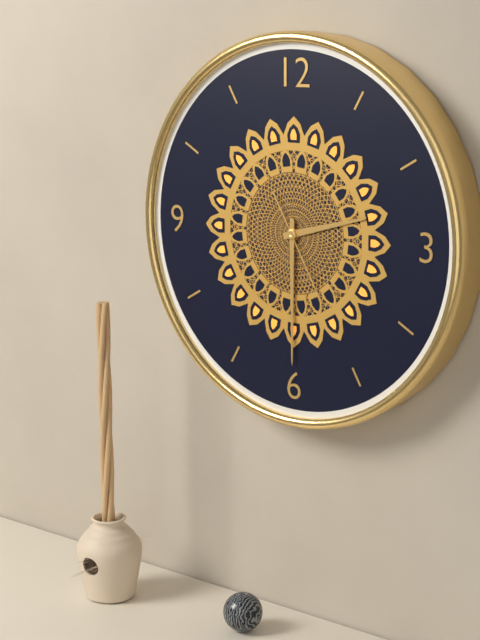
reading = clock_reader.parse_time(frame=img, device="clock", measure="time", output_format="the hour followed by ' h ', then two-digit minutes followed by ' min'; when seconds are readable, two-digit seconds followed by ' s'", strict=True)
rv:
2 h 30 min 25 s
